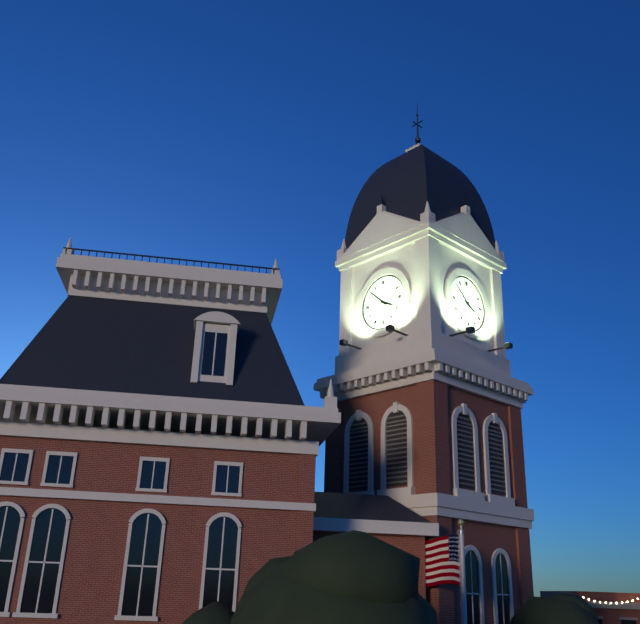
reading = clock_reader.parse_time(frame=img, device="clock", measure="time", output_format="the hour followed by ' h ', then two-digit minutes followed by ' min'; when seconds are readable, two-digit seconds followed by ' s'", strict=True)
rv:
3 h 52 min
